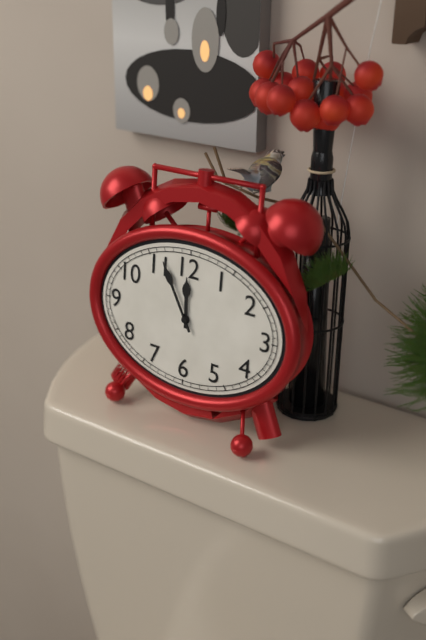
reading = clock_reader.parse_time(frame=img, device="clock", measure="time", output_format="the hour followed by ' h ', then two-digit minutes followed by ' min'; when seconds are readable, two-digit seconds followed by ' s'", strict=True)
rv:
11 h 55 min
